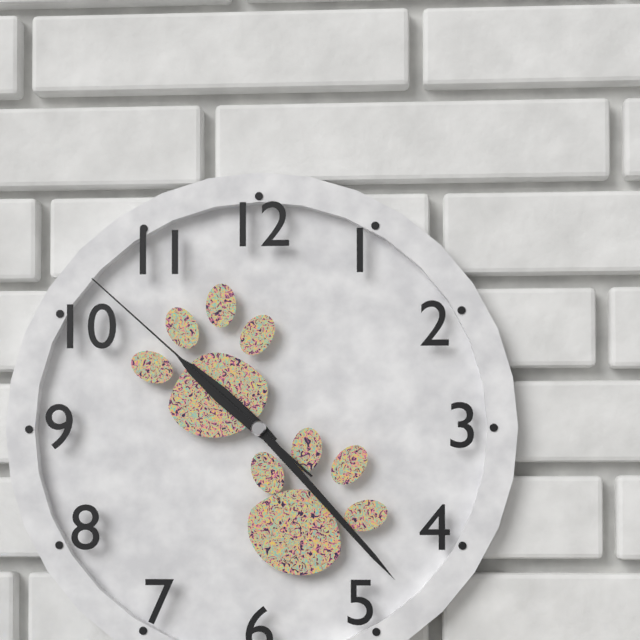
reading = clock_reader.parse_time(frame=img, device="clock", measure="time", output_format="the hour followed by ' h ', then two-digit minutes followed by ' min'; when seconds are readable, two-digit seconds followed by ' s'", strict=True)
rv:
10 h 23 min 52 s
